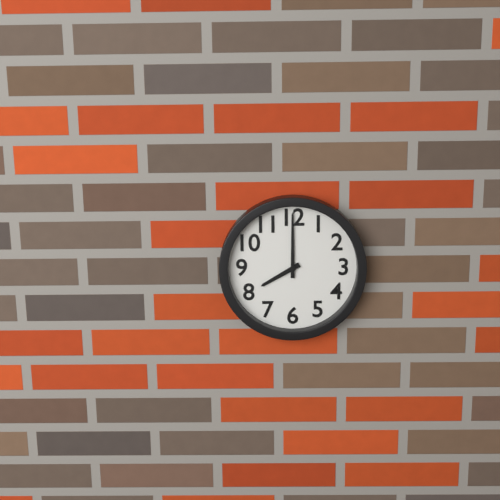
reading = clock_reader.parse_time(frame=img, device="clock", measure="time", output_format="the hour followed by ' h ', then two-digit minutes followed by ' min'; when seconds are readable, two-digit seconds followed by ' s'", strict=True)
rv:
8 h 00 min
